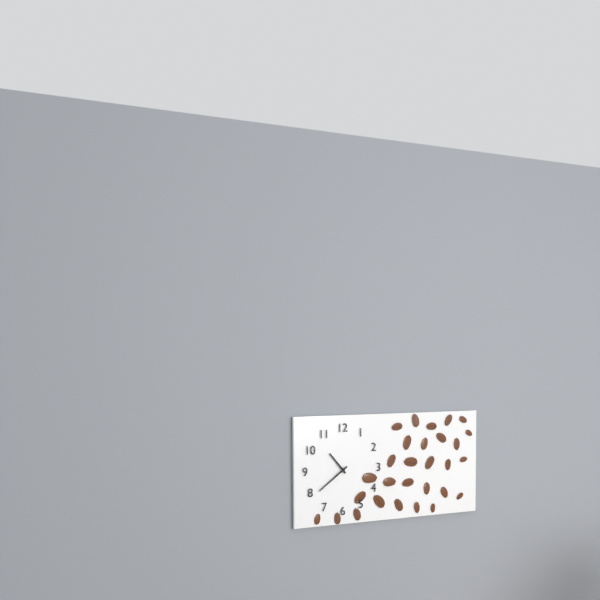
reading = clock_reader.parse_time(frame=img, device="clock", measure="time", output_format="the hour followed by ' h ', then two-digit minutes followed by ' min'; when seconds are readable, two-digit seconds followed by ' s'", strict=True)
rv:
10 h 39 min
